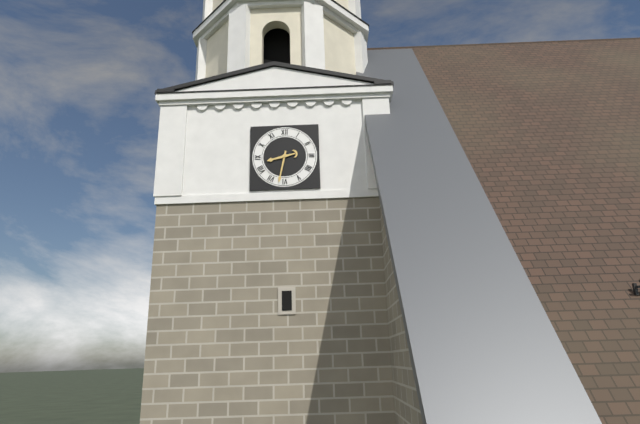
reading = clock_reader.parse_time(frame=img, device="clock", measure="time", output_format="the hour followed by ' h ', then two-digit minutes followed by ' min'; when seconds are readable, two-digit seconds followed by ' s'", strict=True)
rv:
8 h 32 min
